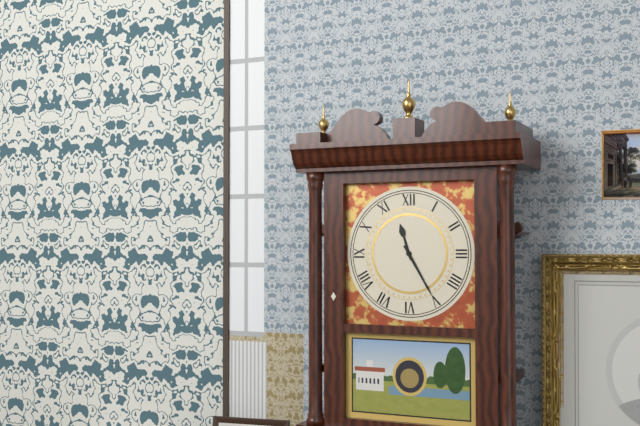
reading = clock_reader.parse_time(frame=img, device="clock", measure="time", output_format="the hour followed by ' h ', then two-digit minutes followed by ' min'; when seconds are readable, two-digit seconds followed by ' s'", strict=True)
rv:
11 h 25 min
